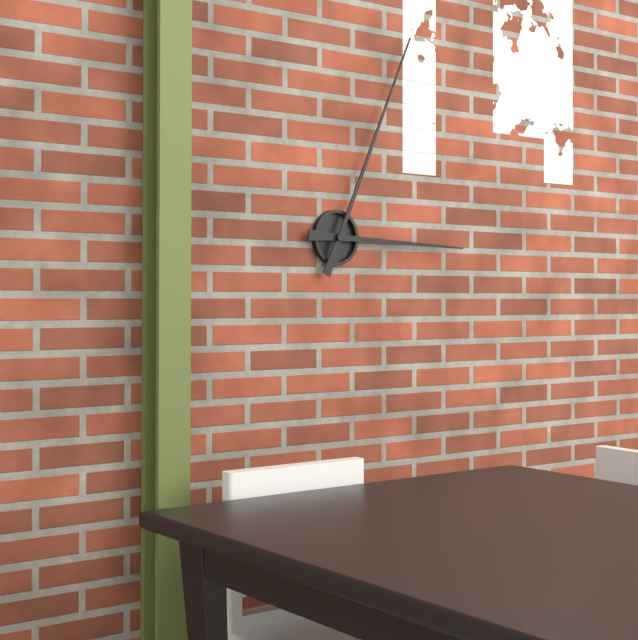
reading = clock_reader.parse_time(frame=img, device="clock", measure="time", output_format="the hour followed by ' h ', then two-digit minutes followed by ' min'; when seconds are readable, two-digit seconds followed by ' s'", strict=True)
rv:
3 h 04 min
